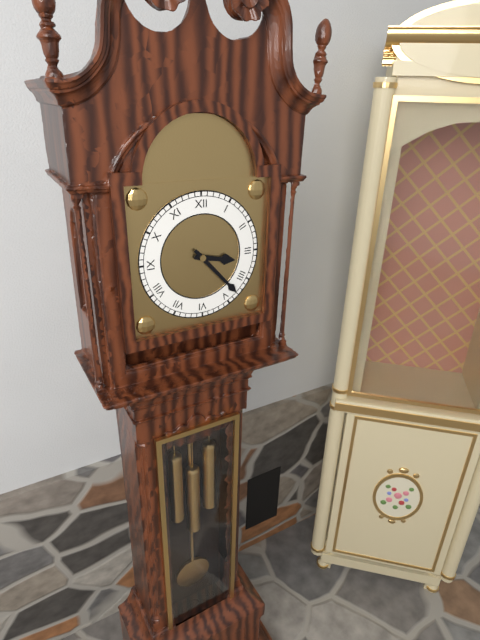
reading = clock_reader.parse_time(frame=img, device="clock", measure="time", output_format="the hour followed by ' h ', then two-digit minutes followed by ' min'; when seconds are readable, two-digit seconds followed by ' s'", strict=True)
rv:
3 h 23 min
